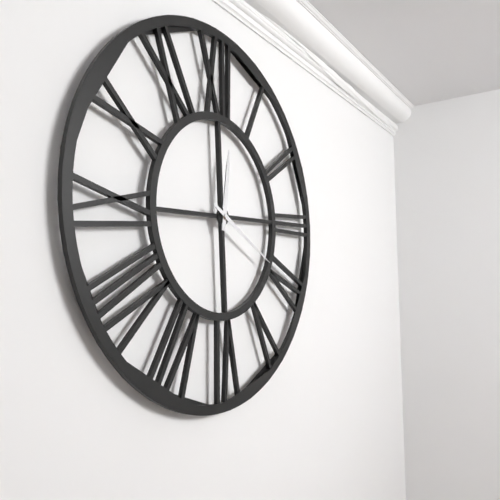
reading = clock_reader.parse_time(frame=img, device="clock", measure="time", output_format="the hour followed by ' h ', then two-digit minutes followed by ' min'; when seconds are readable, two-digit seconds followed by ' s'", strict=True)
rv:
12 h 20 min
